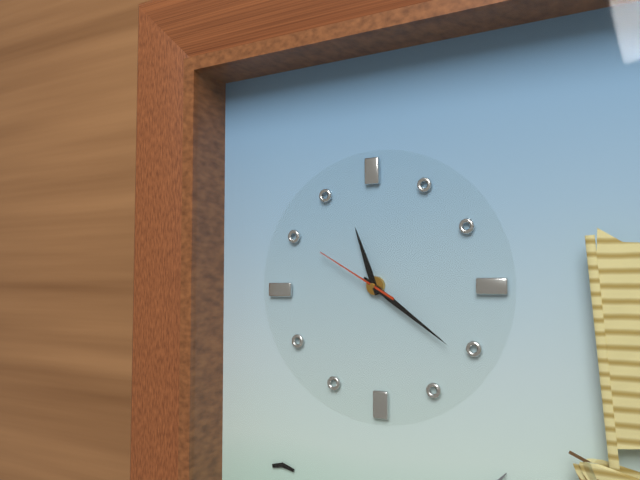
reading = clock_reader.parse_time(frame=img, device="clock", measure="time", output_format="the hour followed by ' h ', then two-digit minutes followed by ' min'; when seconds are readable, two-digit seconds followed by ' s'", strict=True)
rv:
11 h 21 min 50 s
